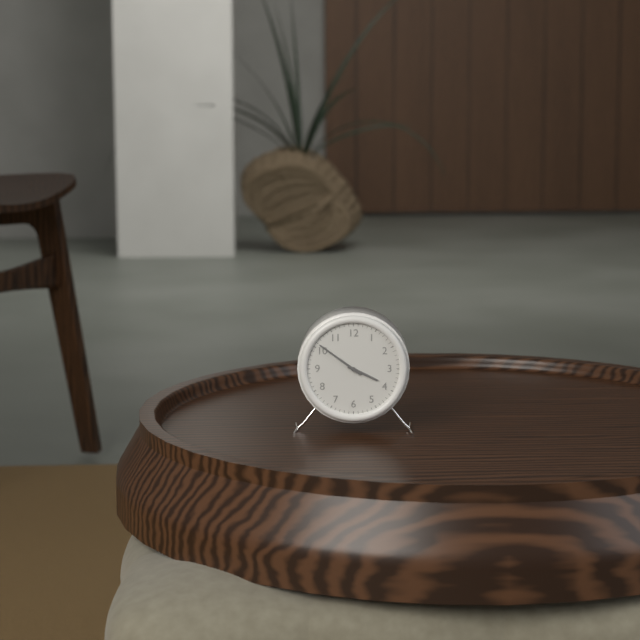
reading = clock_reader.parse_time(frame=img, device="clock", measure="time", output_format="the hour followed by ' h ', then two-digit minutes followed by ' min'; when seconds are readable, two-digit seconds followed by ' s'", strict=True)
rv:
3 h 51 min
